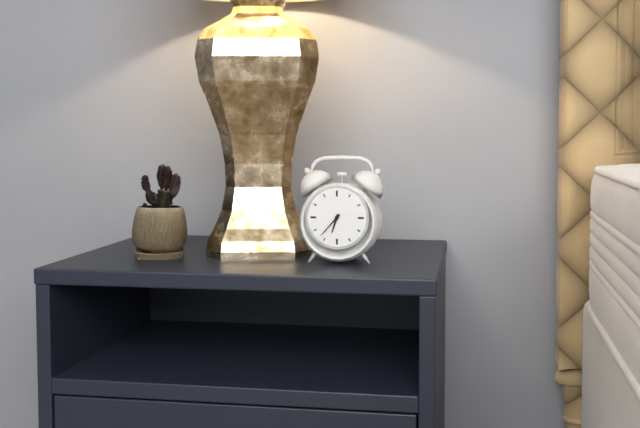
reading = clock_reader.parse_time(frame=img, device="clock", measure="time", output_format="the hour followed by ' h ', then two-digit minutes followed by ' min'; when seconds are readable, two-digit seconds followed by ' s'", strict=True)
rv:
6 h 37 min
